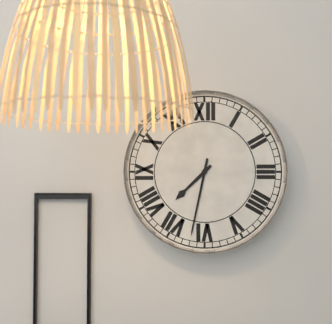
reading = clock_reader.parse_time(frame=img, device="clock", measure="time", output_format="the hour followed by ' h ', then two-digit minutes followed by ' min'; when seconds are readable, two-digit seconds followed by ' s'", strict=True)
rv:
7 h 32 min
